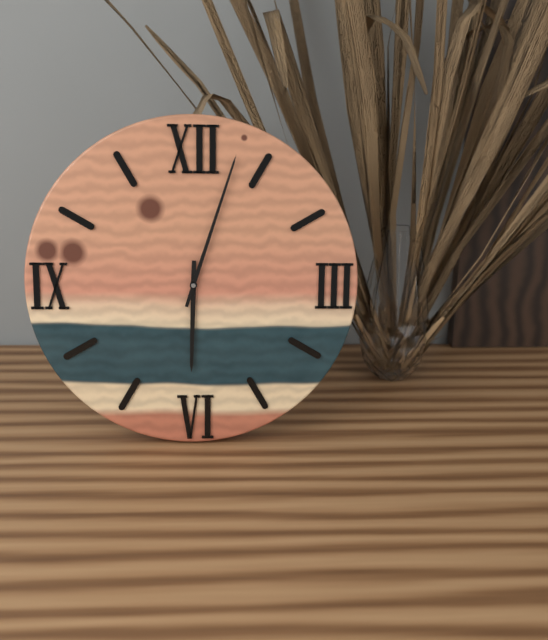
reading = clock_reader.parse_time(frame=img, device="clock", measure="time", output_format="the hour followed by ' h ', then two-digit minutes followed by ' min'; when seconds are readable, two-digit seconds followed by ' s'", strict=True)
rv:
6 h 03 min
